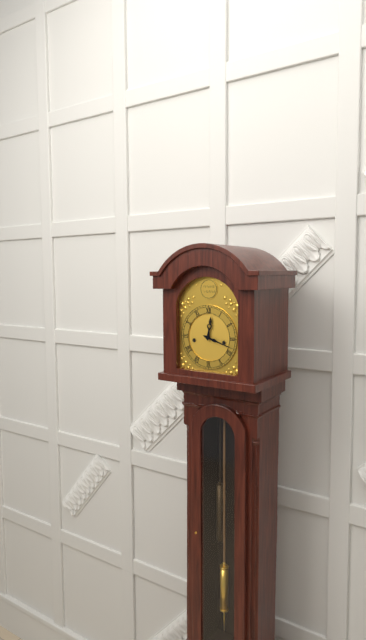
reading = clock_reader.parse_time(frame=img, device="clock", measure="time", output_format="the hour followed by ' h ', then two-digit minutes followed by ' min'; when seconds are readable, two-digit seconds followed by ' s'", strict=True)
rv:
12 h 18 min
